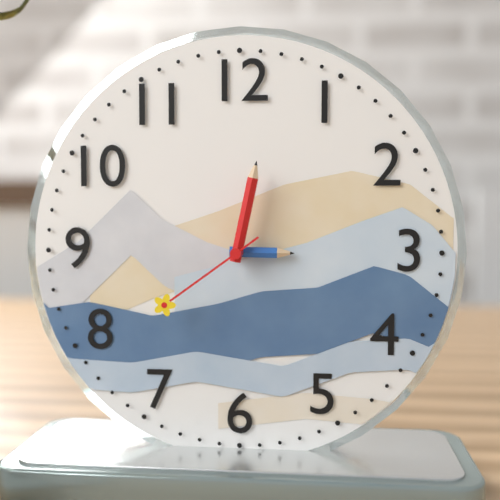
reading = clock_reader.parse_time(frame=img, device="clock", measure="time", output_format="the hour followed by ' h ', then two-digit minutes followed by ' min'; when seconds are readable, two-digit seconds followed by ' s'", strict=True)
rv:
3 h 02 min 39 s
